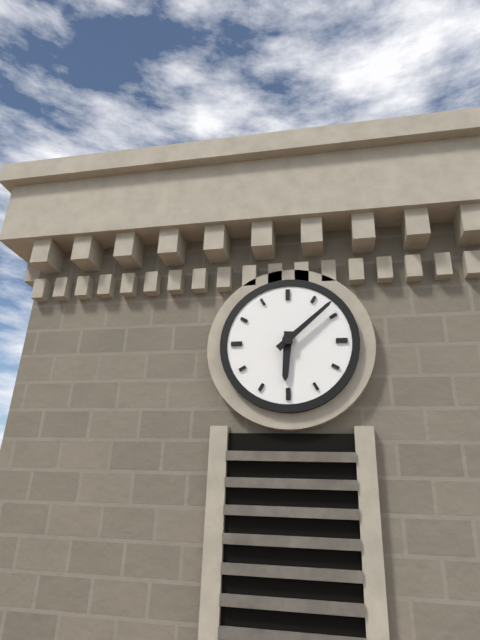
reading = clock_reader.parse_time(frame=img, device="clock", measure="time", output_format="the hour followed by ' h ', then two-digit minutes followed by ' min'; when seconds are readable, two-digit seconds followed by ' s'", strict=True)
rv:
6 h 08 min
